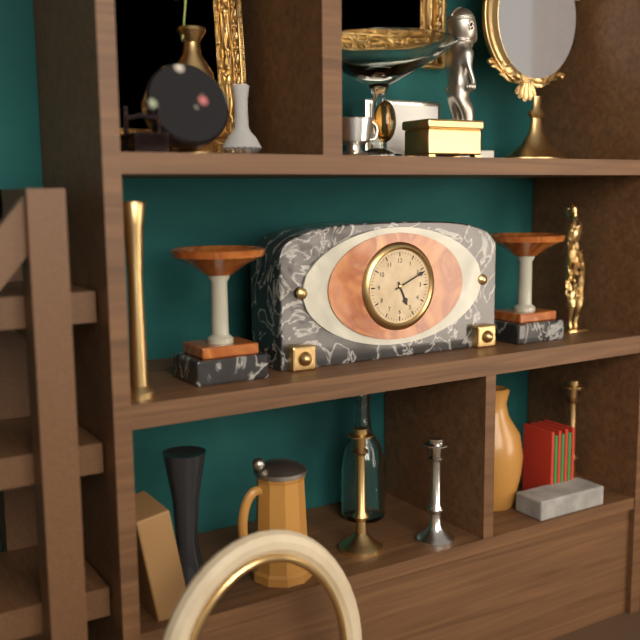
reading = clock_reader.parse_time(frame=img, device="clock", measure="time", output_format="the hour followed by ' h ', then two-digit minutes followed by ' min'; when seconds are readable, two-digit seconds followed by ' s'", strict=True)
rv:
5 h 11 min
